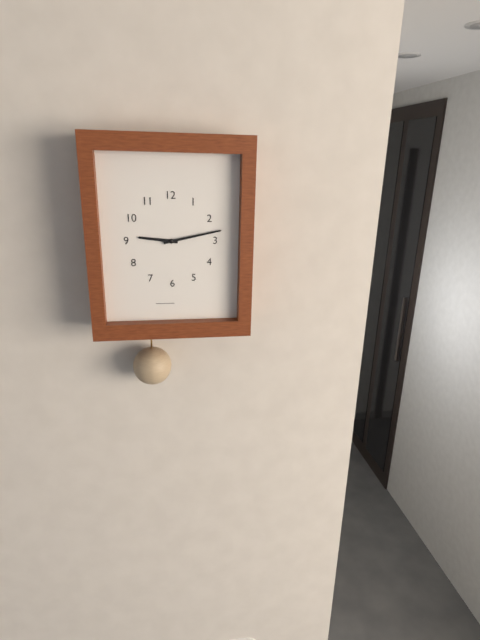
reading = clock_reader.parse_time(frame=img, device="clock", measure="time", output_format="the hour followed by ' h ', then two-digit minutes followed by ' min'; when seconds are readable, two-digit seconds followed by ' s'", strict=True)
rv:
9 h 13 min
